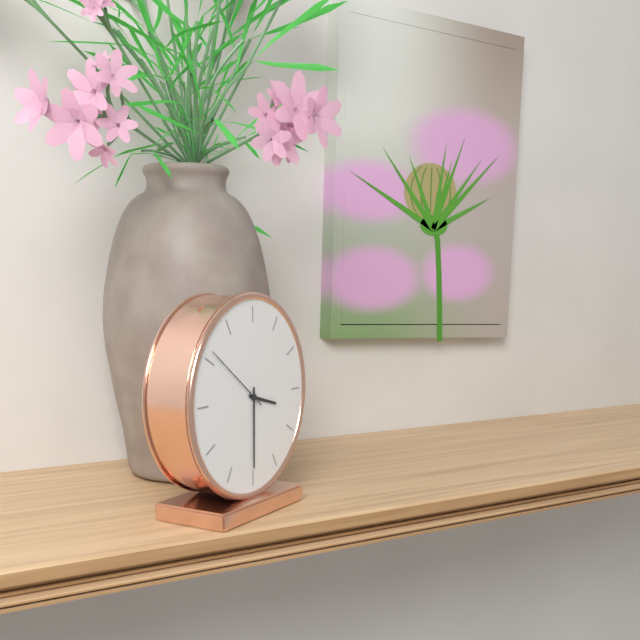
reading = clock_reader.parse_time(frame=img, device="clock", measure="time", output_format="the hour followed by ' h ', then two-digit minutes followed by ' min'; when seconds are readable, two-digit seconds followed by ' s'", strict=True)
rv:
3 h 30 min 51 s
